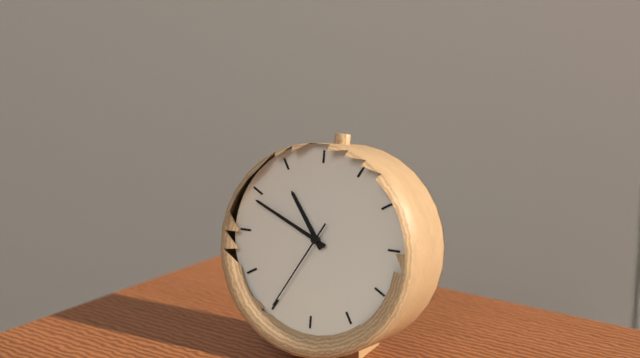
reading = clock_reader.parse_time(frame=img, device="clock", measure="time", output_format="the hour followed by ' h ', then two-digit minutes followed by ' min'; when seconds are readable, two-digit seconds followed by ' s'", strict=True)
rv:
10 h 49 min 35 s
